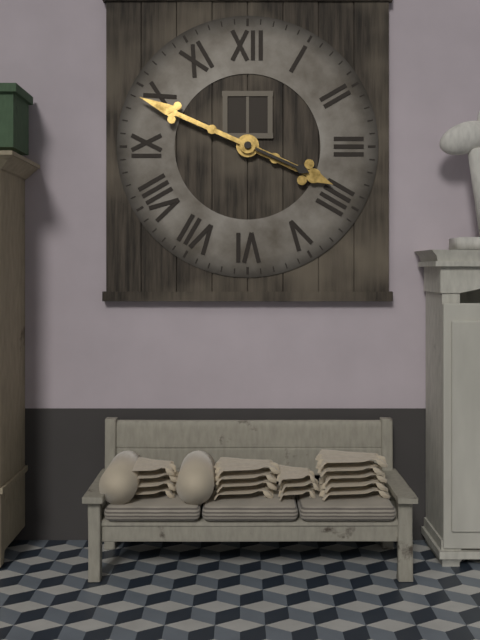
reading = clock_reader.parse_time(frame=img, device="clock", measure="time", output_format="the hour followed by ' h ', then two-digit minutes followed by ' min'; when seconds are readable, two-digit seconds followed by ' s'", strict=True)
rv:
3 h 49 min
